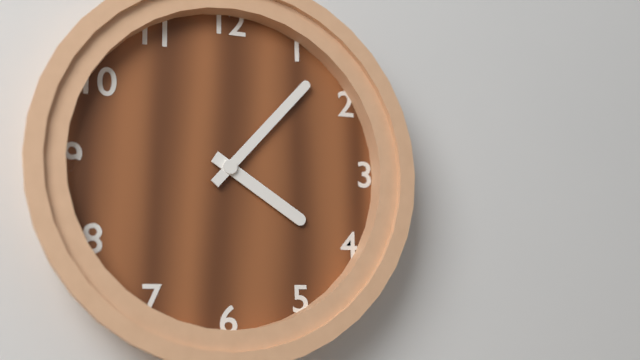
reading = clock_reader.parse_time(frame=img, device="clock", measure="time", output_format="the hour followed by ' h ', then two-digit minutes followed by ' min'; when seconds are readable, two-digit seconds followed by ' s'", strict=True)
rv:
4 h 07 min
